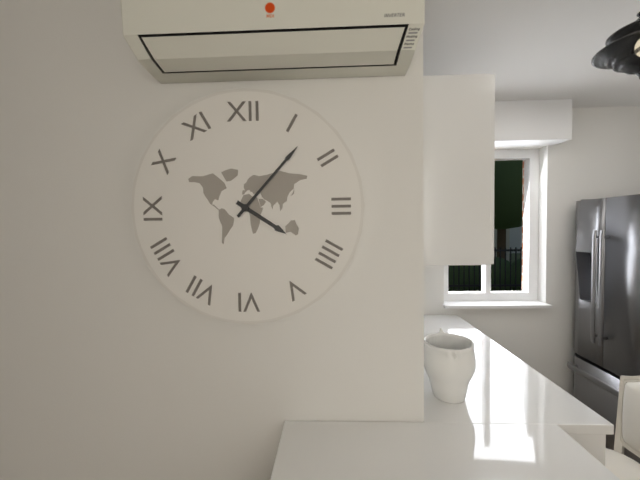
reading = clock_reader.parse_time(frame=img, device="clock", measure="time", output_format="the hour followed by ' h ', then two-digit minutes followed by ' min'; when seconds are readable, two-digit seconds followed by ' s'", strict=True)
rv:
4 h 07 min
